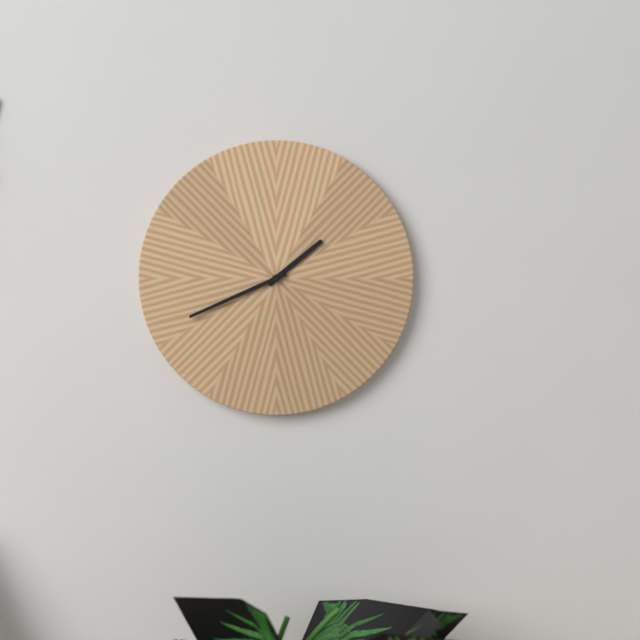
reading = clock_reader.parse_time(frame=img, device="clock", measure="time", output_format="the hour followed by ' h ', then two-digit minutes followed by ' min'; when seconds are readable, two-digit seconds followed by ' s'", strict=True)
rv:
1 h 41 min
